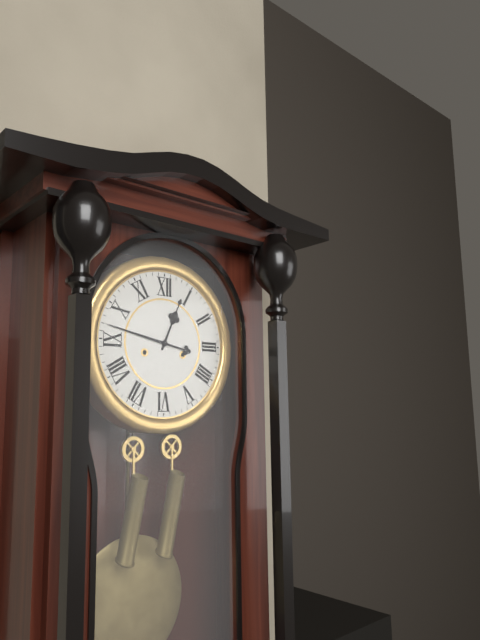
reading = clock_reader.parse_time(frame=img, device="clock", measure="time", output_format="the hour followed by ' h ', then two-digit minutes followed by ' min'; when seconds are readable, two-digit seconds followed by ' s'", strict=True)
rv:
12 h 47 min
